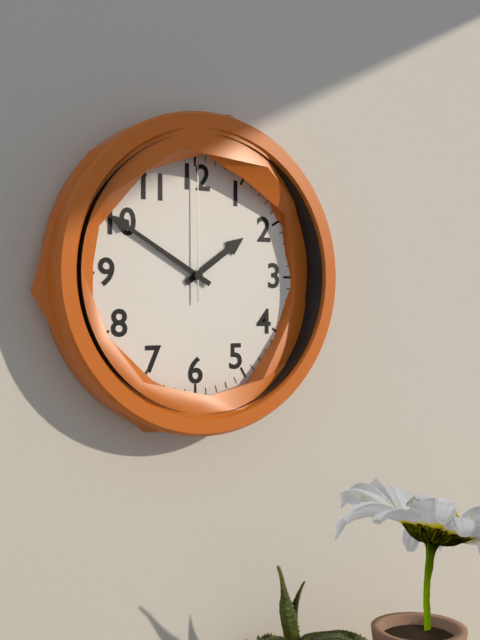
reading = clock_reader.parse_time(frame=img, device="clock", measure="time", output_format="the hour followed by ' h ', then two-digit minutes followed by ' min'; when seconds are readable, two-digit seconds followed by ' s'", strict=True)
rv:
1 h 50 min 00 s
